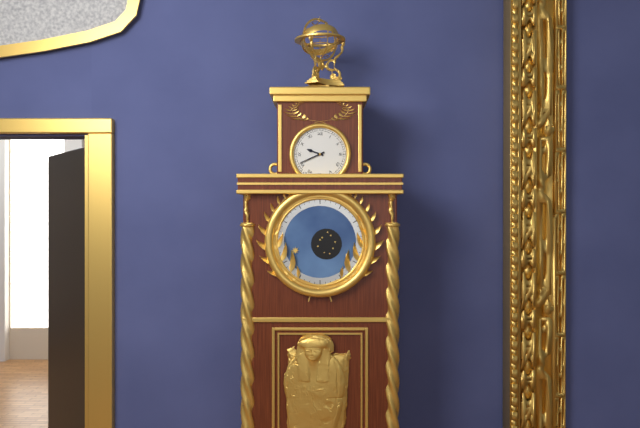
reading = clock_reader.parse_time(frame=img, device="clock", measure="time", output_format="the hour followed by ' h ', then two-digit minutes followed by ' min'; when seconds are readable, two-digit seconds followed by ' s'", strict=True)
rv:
9 h 41 min
